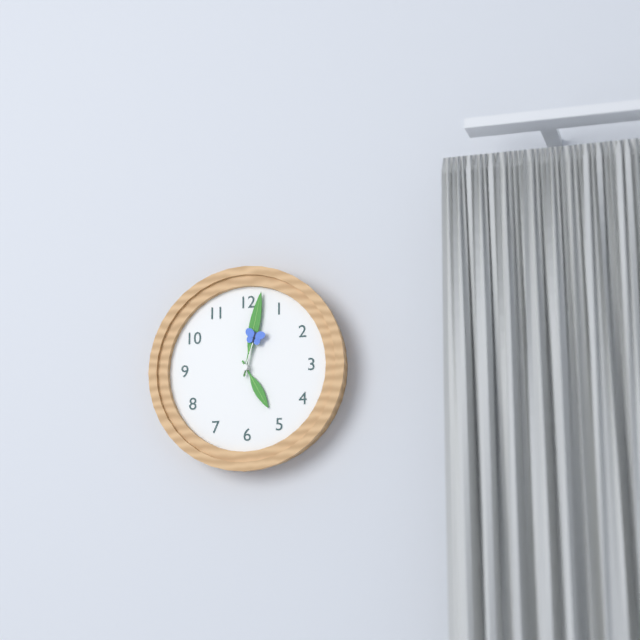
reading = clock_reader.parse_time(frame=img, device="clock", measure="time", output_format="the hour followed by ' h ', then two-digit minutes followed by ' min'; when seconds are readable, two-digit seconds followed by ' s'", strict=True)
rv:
5 h 02 min 03 s
